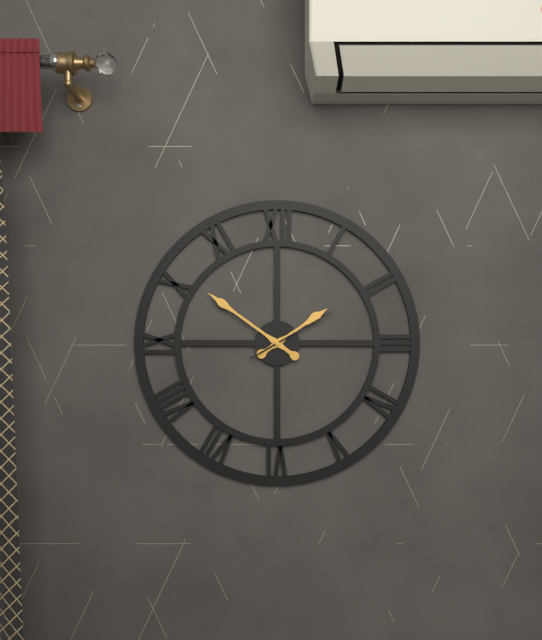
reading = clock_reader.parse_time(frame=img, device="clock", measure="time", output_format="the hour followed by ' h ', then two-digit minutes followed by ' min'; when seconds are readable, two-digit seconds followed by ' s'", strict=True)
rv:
1 h 51 min 10 s
